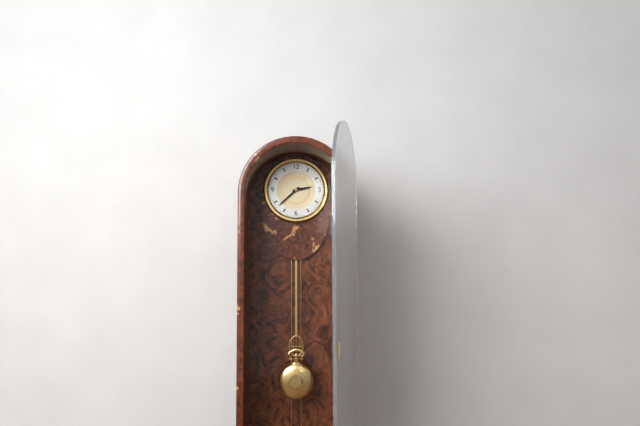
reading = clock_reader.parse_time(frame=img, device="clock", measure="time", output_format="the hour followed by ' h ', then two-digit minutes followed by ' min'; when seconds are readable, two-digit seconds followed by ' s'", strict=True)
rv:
2 h 38 min
